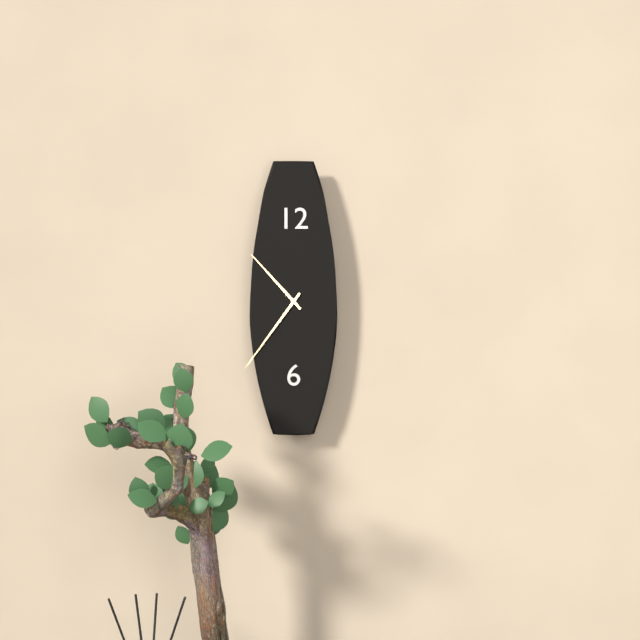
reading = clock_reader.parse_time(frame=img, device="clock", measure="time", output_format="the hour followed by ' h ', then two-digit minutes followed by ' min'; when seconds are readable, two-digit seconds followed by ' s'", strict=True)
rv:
10 h 36 min
